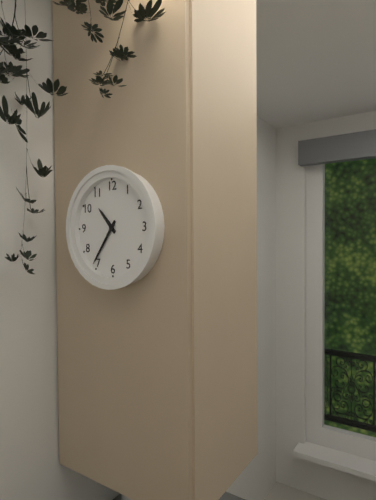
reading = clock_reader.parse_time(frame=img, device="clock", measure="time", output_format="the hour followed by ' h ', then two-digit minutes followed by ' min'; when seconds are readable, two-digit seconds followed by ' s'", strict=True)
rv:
10 h 36 min
